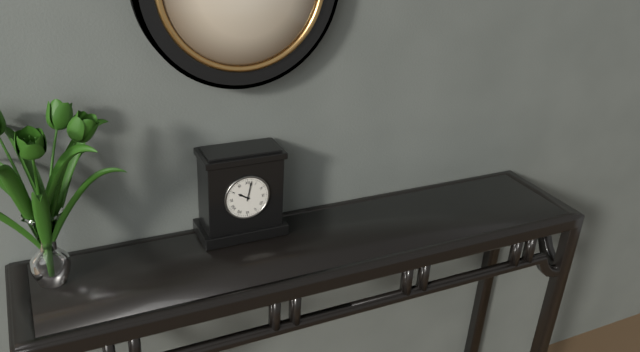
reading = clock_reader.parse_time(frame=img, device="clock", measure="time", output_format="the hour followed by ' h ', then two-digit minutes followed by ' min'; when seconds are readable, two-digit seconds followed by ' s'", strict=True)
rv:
10 h 02 min
